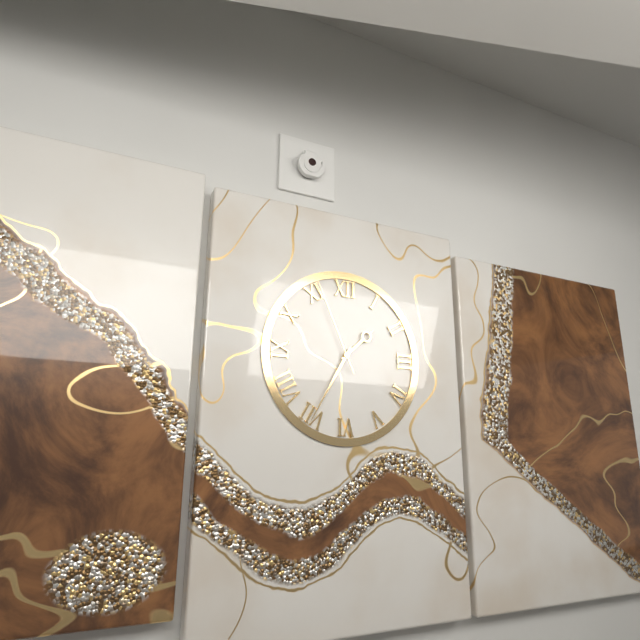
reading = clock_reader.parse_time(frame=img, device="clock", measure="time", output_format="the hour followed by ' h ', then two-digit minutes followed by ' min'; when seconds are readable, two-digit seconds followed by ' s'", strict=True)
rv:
1 h 35 min 56 s
